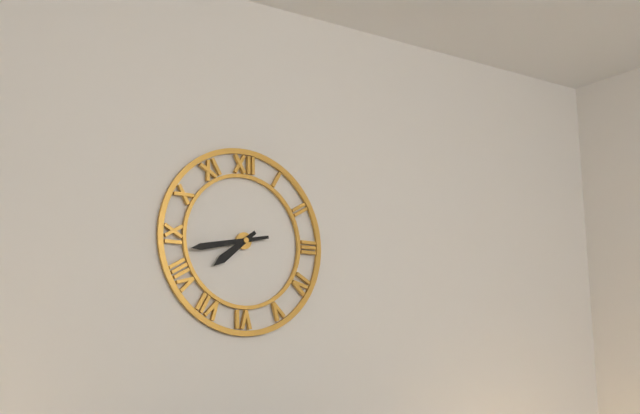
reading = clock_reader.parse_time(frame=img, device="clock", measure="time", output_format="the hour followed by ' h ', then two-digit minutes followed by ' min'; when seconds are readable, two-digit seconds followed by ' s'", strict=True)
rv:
7 h 43 min
